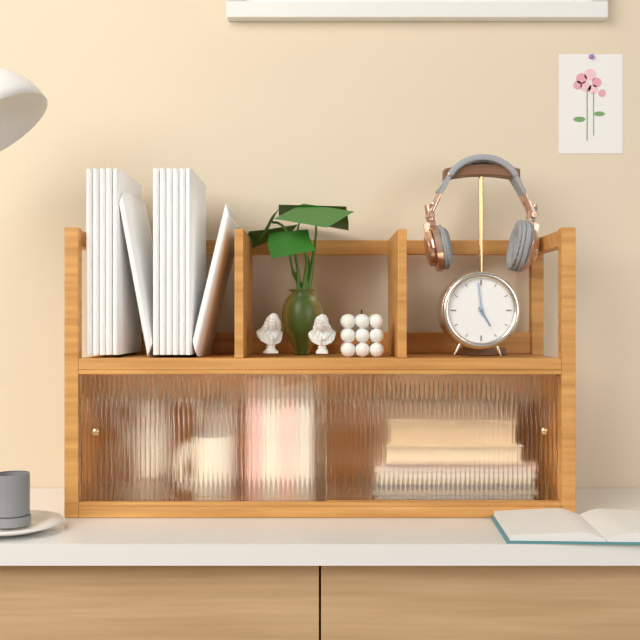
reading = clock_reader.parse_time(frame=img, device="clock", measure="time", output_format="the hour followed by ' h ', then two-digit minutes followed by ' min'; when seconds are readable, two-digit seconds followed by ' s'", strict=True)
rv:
4 h 59 min
